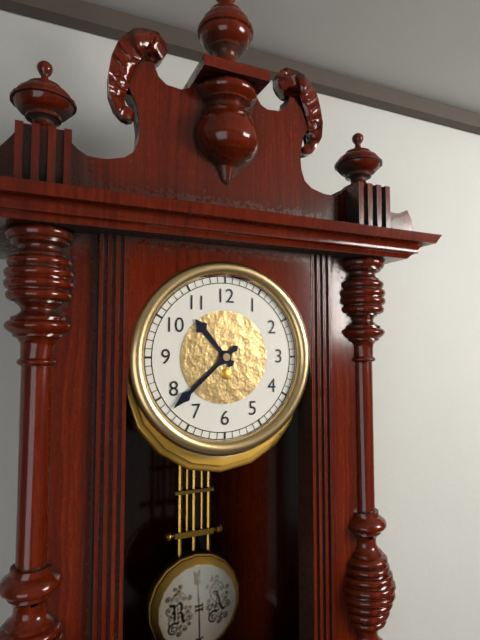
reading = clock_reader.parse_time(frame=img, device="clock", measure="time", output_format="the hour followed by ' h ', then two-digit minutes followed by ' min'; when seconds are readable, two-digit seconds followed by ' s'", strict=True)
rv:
10 h 38 min
